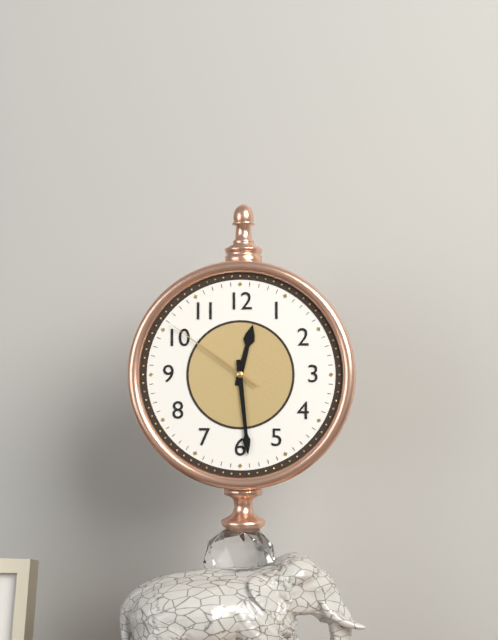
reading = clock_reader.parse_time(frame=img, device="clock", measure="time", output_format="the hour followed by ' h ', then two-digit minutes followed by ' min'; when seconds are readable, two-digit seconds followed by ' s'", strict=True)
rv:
12 h 29 min 51 s
